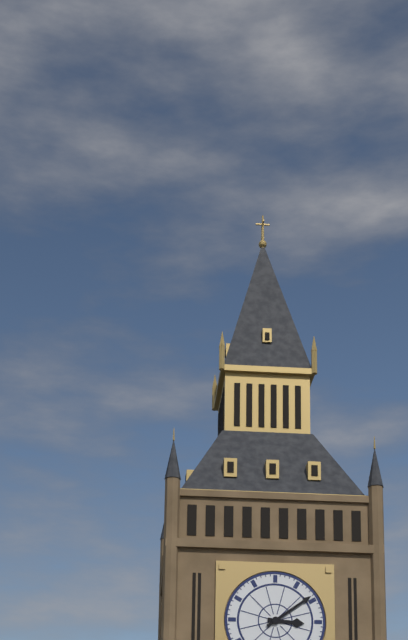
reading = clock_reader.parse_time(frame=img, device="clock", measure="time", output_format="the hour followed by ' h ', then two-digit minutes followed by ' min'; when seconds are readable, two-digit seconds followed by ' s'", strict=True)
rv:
3 h 09 min
